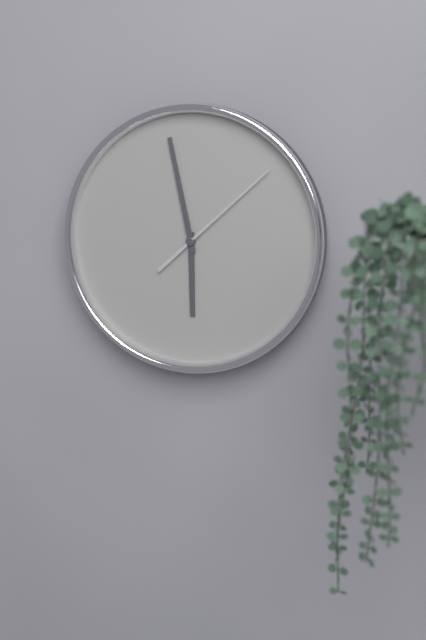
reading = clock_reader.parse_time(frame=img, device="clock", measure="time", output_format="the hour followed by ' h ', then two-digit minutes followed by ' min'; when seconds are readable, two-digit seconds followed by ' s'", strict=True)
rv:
5 h 58 min 08 s
